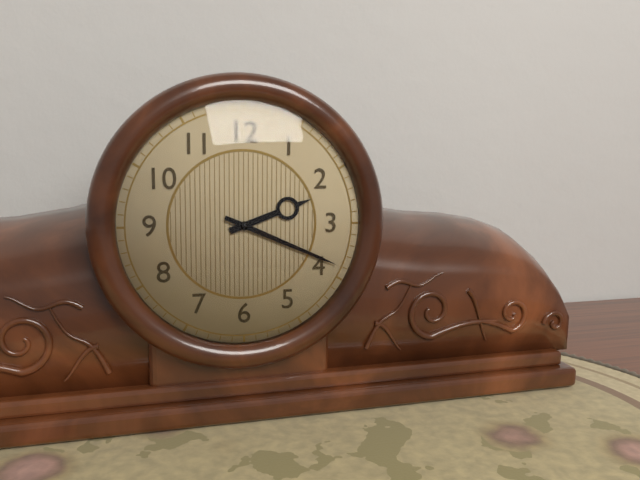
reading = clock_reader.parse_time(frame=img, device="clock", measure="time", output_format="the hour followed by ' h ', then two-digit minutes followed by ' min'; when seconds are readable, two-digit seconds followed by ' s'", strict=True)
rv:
2 h 19 min
